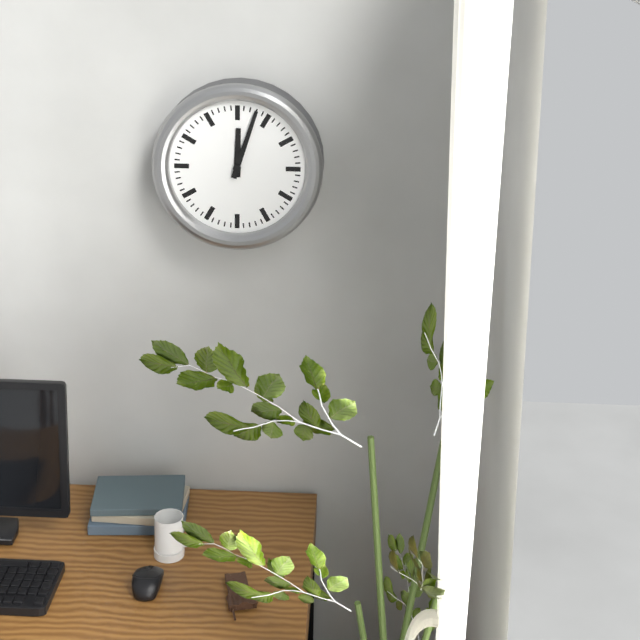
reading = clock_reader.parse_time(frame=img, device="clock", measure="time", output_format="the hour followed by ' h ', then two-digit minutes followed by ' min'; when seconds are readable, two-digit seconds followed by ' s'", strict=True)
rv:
12 h 03 min
